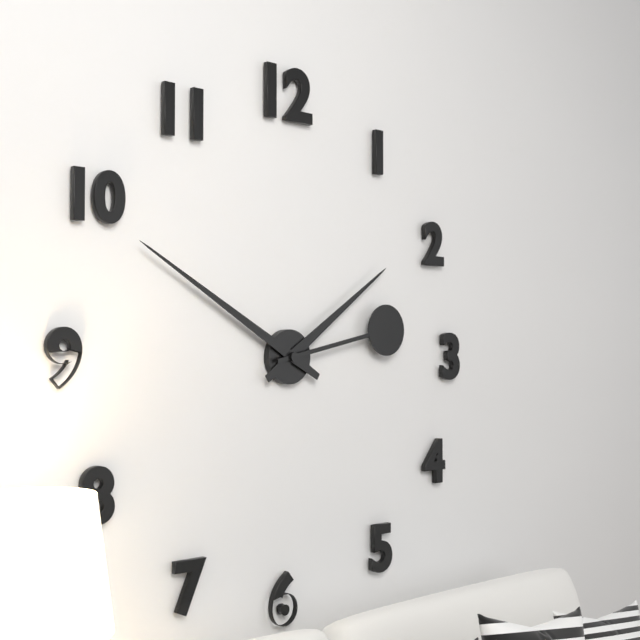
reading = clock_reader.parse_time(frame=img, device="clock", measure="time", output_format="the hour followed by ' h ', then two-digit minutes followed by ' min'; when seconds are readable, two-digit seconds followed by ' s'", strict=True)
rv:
1 h 50 min 13 s
